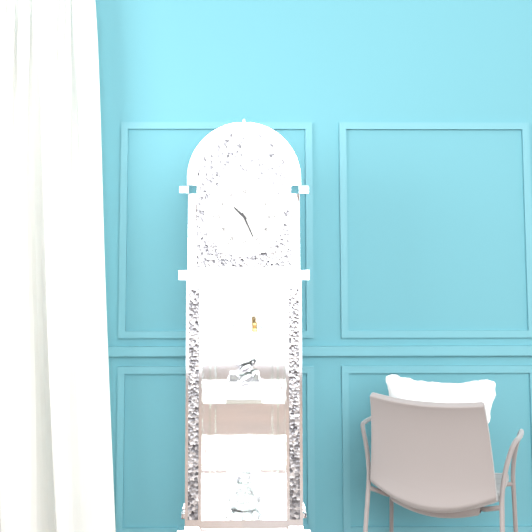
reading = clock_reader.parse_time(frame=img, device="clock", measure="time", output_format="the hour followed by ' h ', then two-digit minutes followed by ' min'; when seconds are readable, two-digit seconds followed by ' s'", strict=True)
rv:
10 h 26 min
